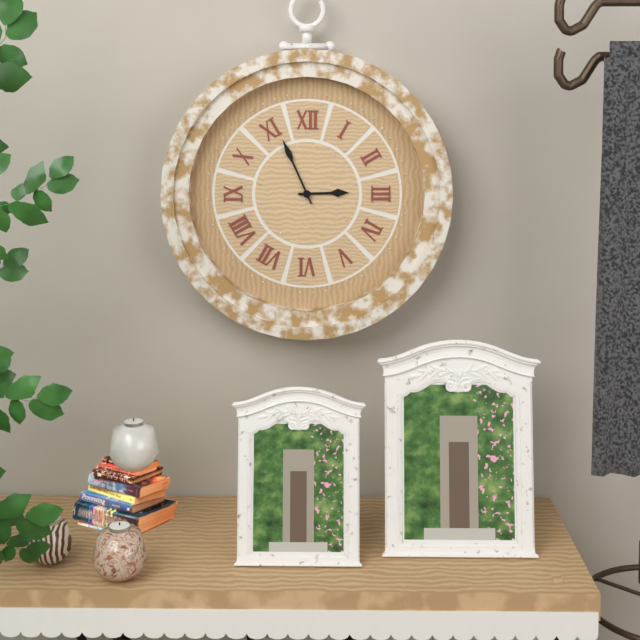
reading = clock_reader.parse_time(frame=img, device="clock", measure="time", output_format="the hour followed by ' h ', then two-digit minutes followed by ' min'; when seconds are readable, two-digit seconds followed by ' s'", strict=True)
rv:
2 h 56 min
